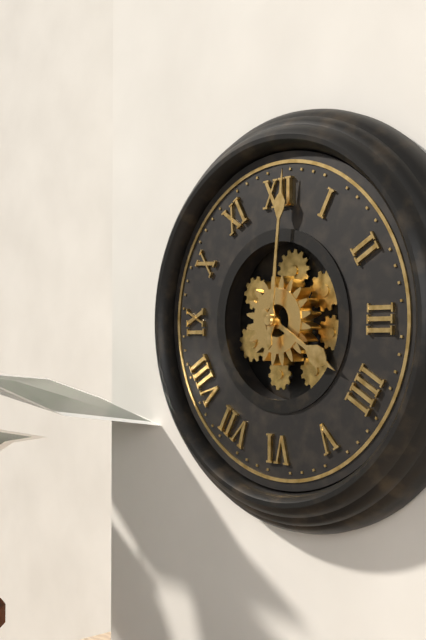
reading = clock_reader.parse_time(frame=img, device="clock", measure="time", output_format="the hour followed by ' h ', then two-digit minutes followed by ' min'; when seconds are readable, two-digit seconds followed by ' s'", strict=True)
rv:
4 h 01 min
